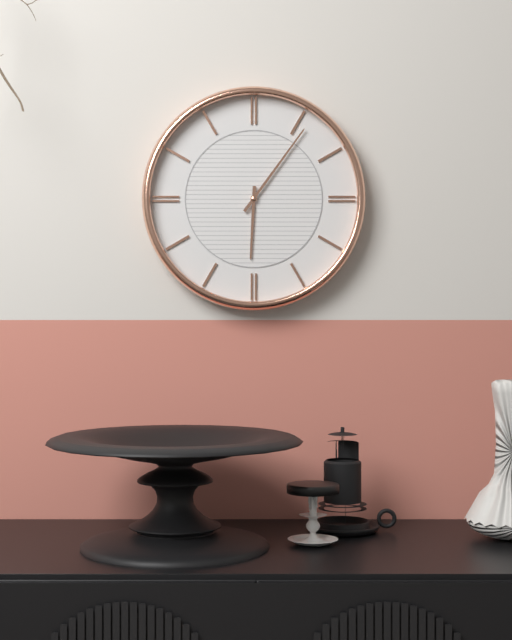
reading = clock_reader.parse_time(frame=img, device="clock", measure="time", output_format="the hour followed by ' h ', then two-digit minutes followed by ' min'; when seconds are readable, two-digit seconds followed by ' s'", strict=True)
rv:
6 h 06 min
